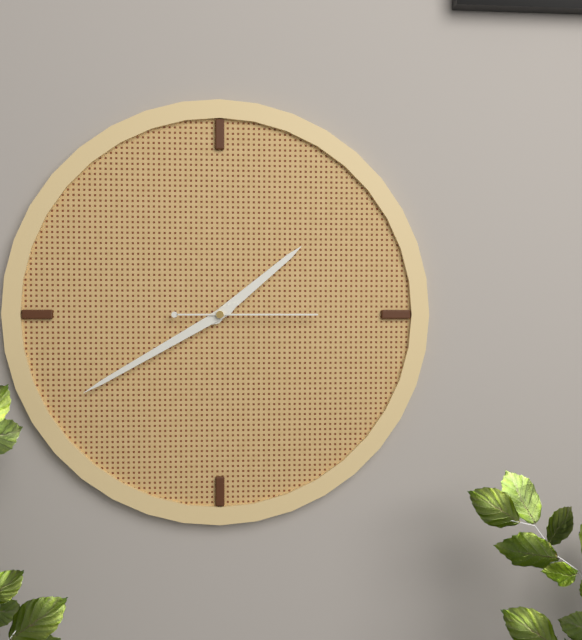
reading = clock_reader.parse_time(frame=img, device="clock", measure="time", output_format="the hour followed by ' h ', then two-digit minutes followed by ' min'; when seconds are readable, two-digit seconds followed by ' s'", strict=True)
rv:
1 h 40 min 15 s
